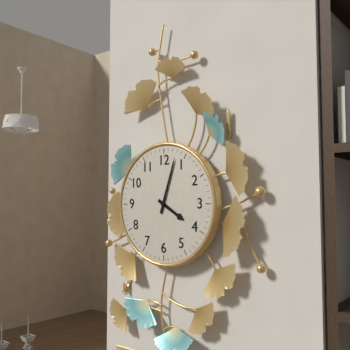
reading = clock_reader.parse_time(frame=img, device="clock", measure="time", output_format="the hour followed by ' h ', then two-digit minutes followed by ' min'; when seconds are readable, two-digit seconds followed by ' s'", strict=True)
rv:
4 h 03 min
